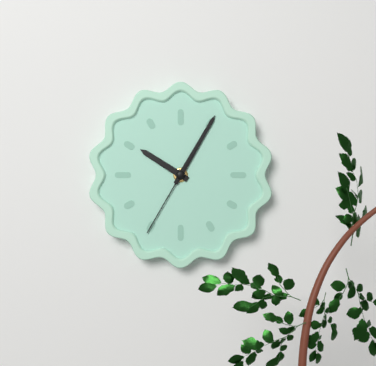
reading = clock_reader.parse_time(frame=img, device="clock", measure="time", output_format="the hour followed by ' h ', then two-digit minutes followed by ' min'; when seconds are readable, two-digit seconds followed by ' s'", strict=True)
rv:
10 h 05 min 35 s
